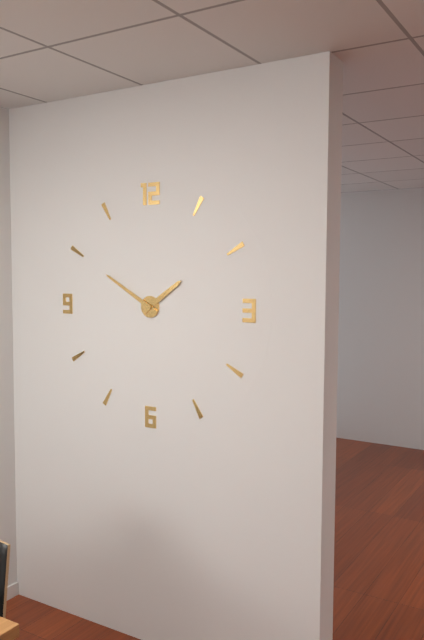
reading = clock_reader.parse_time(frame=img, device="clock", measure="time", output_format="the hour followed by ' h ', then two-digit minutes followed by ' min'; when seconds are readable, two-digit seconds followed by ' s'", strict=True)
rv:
1 h 50 min
